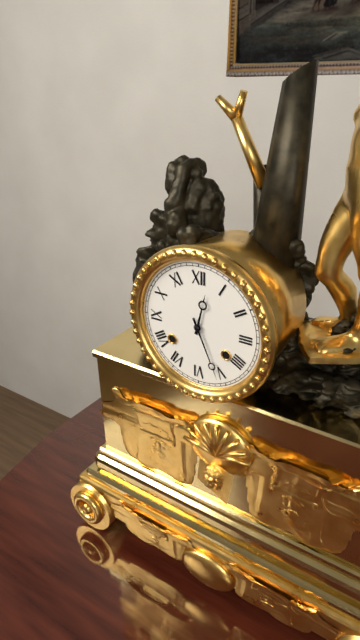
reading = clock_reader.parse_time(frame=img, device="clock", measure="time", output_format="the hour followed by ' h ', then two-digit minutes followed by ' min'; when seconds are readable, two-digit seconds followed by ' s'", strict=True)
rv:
12 h 26 min
